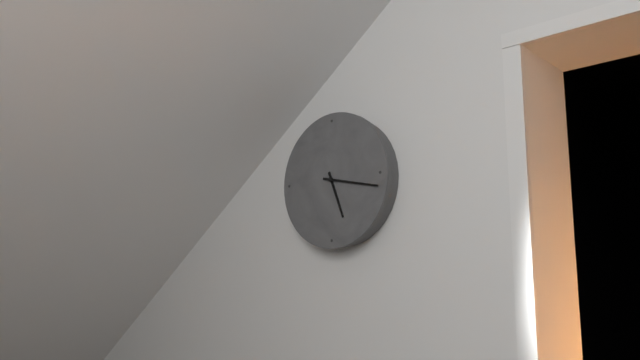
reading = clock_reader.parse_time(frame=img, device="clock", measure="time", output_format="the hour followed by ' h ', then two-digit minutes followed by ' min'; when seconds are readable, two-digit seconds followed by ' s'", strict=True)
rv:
5 h 17 min
